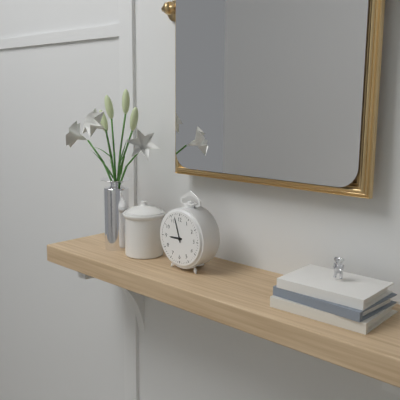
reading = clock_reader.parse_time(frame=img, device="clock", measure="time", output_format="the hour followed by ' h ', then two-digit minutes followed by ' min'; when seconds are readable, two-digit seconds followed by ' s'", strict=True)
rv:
8 h 57 min
